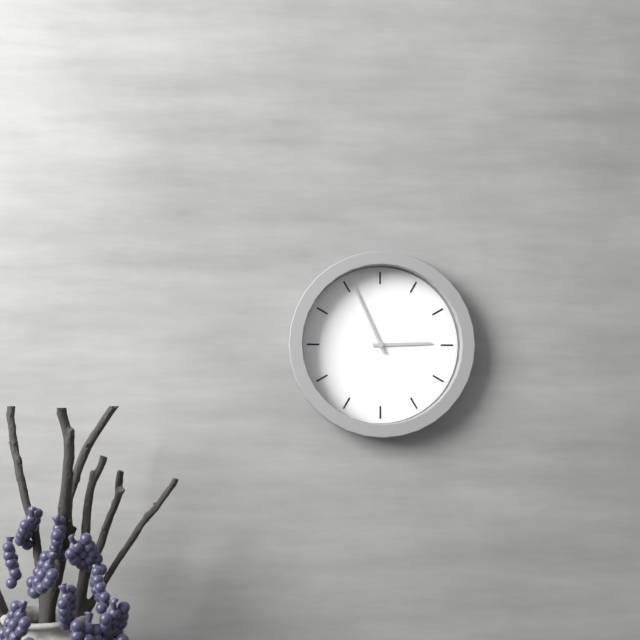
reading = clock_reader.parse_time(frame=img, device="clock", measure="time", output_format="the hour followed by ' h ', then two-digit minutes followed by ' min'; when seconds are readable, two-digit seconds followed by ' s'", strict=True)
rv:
2 h 56 min
